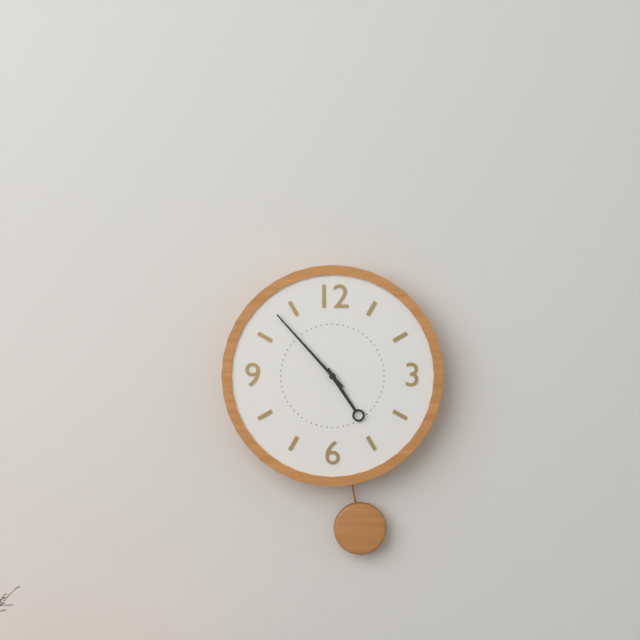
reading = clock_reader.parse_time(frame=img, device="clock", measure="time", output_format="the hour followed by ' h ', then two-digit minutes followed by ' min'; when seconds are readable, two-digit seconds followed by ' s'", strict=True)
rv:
4 h 53 min
